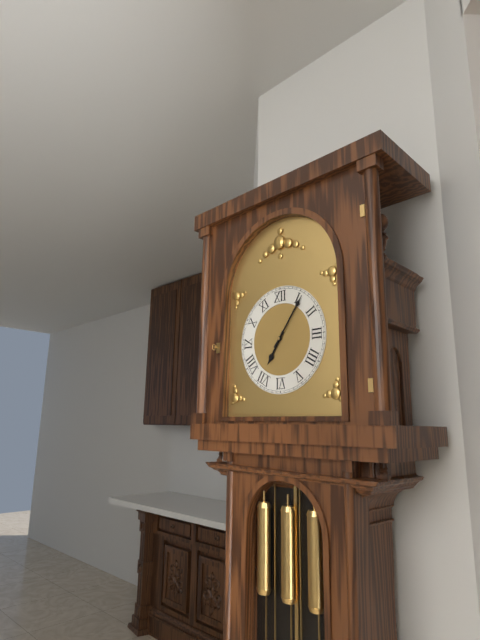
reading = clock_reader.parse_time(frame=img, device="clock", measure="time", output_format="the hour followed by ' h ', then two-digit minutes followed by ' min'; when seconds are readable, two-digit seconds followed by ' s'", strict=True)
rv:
7 h 06 min
